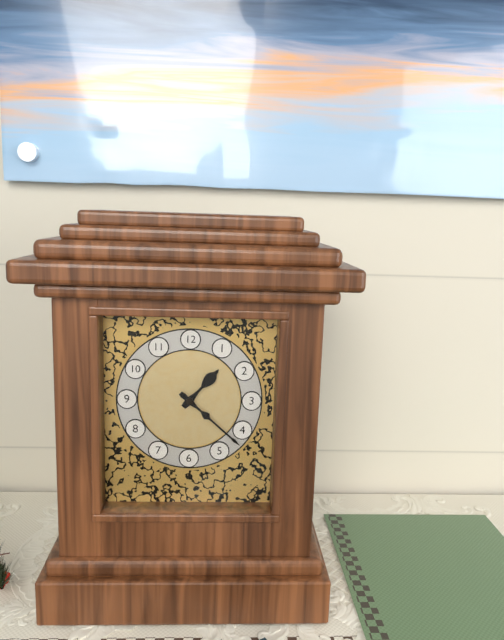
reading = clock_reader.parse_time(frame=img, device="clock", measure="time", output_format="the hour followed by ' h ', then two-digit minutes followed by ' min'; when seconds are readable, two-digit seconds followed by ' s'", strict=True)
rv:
1 h 22 min
